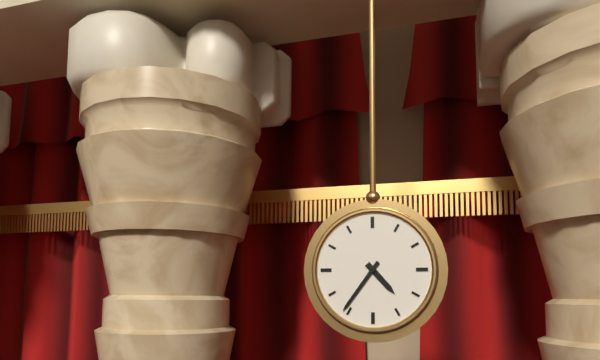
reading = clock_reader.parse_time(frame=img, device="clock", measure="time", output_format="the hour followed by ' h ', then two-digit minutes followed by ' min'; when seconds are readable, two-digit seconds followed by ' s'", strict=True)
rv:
4 h 36 min
